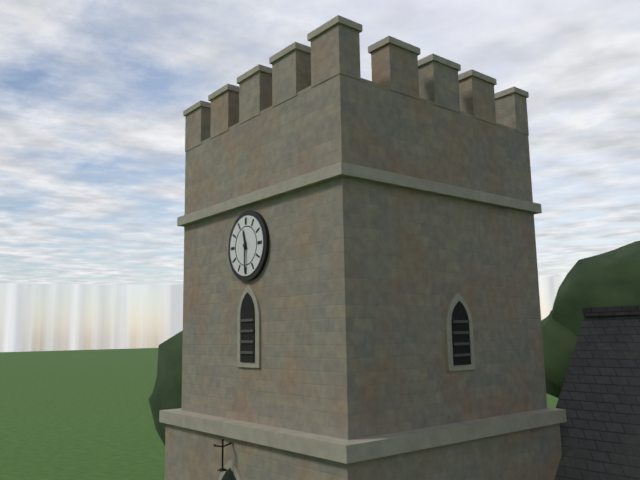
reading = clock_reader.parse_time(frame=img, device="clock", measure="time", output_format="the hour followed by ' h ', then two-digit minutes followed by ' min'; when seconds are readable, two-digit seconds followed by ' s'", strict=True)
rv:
11 h 30 min
